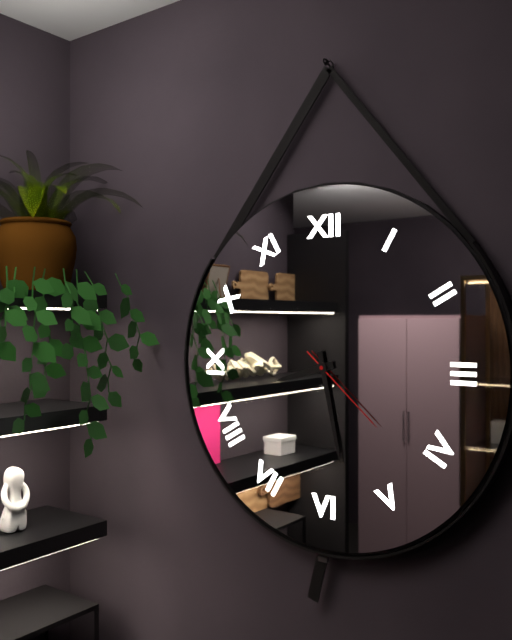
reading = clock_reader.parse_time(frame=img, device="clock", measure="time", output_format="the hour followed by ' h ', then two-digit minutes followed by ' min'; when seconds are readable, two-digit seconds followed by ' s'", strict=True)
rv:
8 h 28 min 22 s
